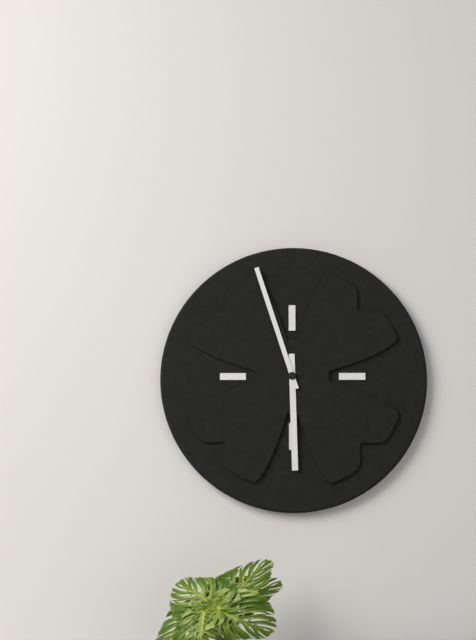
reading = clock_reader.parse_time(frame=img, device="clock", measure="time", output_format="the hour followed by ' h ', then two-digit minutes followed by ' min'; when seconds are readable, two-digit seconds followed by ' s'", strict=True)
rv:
5 h 57 min
